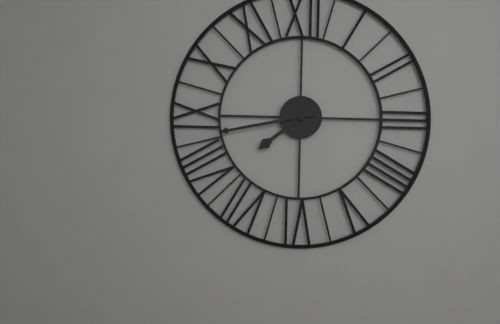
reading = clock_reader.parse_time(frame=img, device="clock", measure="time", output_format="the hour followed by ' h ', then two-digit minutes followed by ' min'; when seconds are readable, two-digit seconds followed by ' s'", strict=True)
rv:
7 h 43 min
